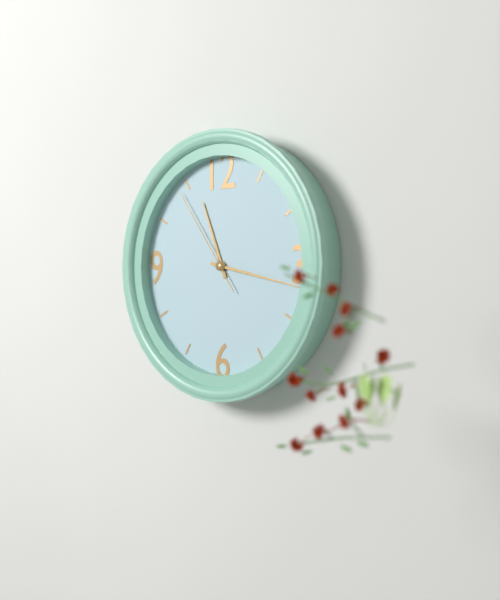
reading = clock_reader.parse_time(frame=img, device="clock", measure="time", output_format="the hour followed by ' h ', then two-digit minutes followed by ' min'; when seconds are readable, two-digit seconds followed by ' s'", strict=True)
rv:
11 h 17 min 54 s
